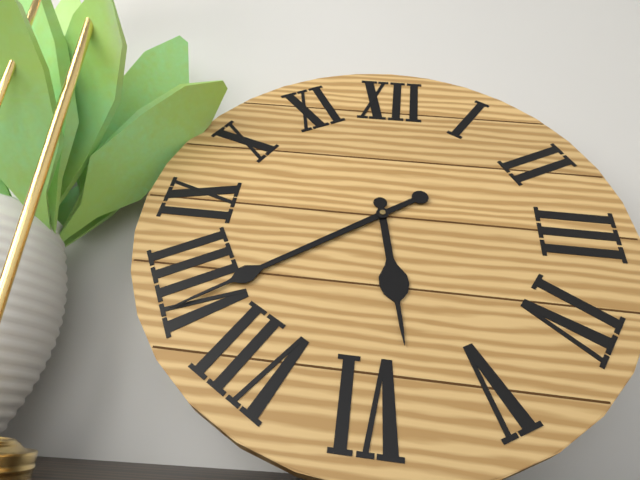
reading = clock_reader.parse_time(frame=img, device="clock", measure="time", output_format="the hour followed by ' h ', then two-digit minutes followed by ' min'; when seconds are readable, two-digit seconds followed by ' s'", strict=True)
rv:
5 h 39 min
